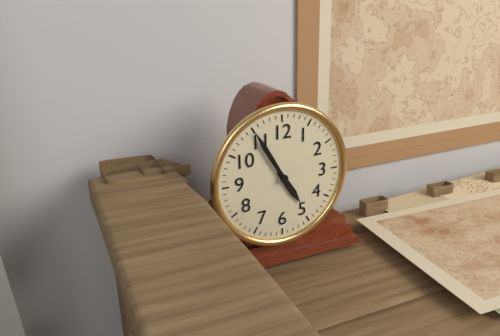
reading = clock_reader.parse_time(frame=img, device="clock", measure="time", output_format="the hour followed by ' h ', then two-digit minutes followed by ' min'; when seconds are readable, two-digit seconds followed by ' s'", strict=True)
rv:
4 h 55 min
